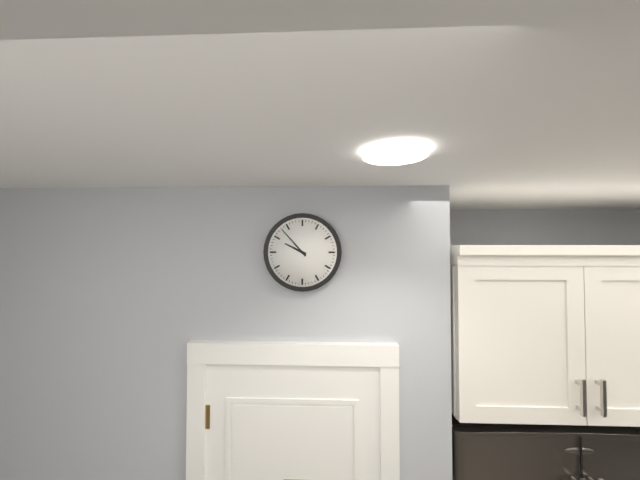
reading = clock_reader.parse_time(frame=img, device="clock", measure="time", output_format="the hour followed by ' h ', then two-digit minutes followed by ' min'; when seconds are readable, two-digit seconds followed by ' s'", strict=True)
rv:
9 h 53 min
